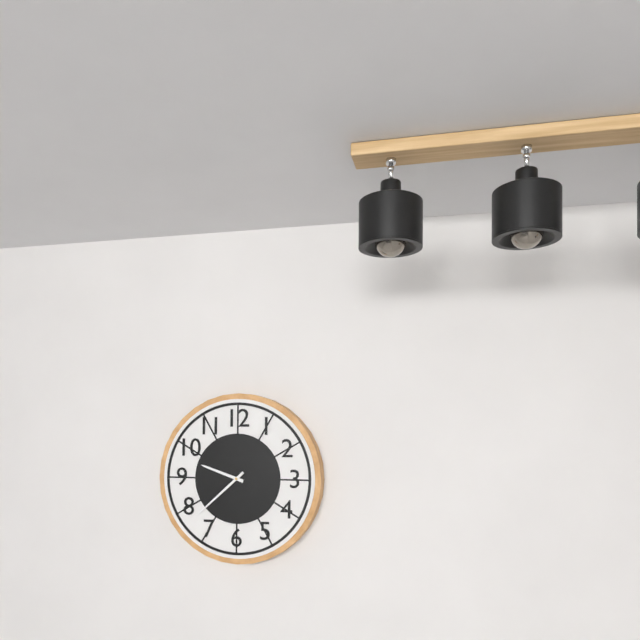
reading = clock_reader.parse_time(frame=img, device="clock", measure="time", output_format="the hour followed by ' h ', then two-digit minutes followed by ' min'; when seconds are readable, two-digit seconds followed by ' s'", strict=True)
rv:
9 h 38 min
